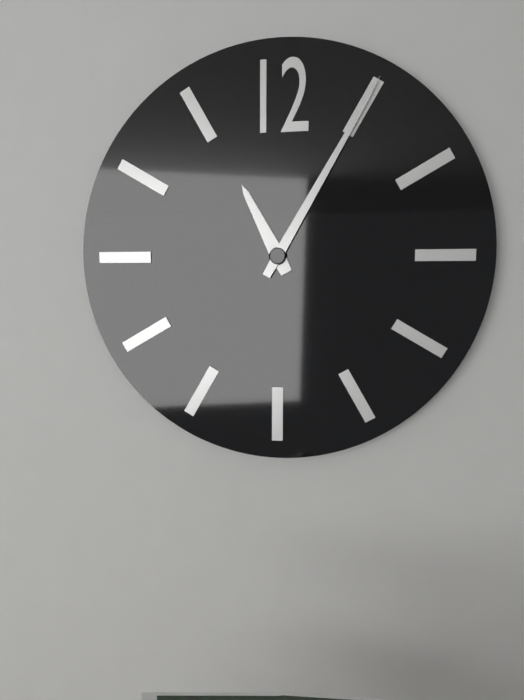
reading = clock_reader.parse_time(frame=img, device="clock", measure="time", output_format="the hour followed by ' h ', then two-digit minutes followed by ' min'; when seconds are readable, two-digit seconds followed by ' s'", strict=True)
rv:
11 h 05 min
